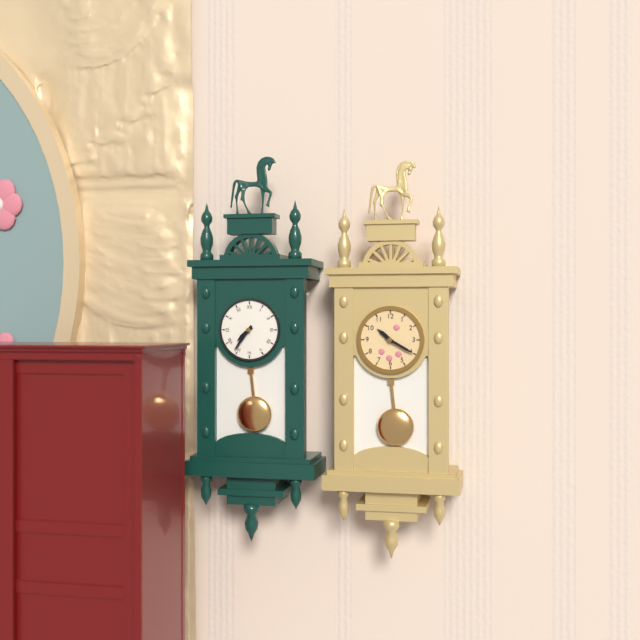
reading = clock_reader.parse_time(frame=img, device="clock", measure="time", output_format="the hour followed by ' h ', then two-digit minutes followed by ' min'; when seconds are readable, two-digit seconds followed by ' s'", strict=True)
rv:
7 h 36 min
